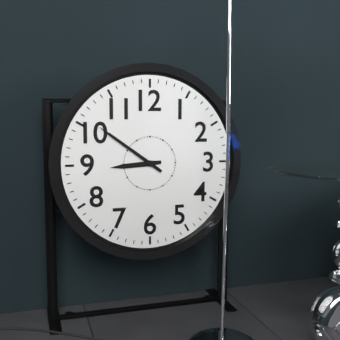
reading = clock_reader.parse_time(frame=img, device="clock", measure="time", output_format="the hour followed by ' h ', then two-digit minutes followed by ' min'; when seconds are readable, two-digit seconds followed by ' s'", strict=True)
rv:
8 h 51 min
